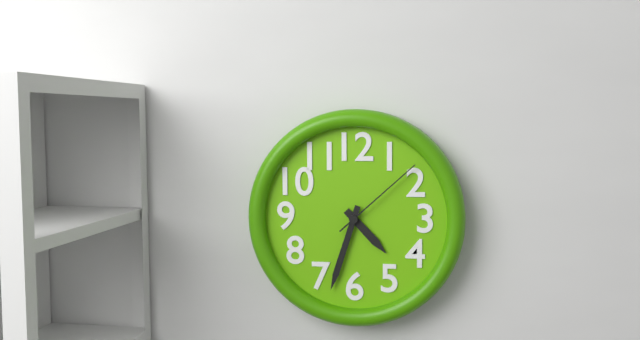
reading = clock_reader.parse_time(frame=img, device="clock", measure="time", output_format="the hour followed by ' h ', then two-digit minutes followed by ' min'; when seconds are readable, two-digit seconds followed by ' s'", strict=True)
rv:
4 h 33 min 08 s
